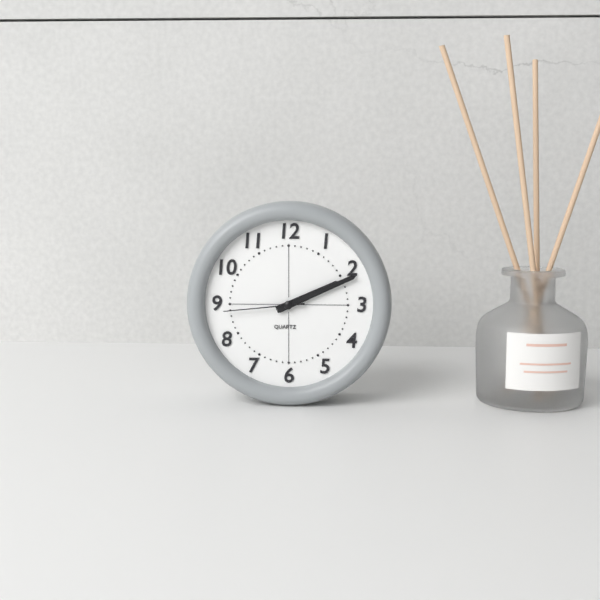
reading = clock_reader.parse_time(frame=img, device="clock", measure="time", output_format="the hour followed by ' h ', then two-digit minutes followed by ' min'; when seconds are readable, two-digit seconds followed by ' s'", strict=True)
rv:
2 h 11 min 44 s
